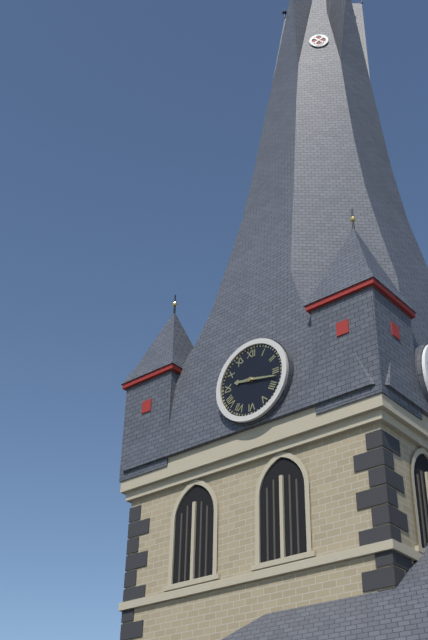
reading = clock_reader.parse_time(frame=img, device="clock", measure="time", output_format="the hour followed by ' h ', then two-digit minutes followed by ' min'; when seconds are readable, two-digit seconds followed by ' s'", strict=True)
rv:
9 h 17 min
